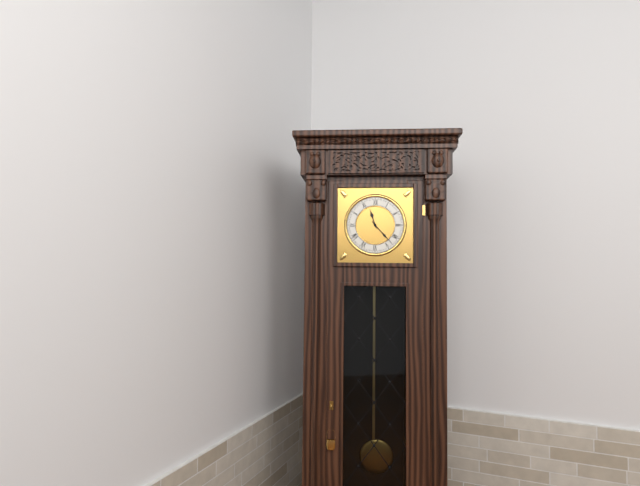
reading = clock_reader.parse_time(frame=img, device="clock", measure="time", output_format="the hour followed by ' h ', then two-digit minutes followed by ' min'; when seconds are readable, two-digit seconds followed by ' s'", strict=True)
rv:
11 h 23 min
